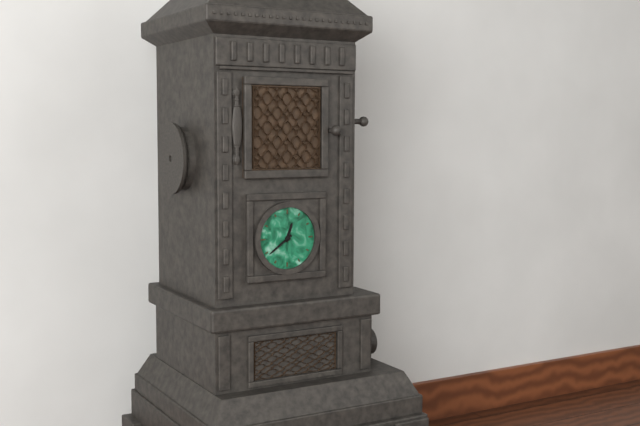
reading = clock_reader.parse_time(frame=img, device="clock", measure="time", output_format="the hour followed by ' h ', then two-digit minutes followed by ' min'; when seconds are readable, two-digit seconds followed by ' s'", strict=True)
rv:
12 h 39 min
